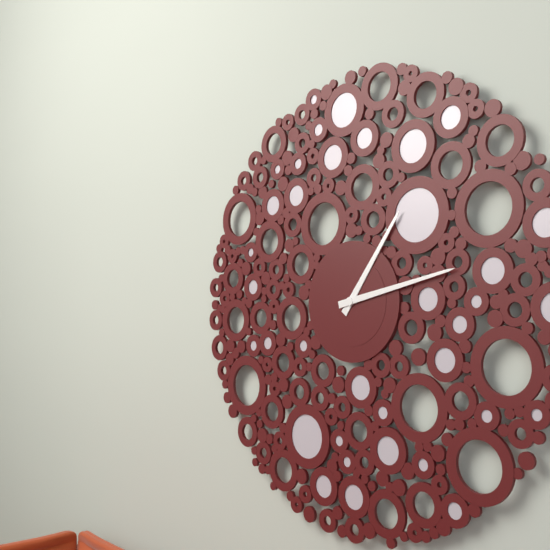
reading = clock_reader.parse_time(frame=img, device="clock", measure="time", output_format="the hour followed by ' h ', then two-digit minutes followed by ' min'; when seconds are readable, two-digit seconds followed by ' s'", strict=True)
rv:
1 h 13 min
